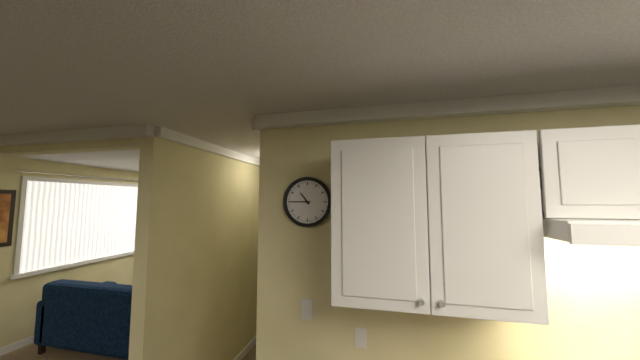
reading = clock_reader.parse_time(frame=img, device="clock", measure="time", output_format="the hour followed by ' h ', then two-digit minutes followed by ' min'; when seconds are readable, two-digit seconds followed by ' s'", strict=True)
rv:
10 h 45 min
